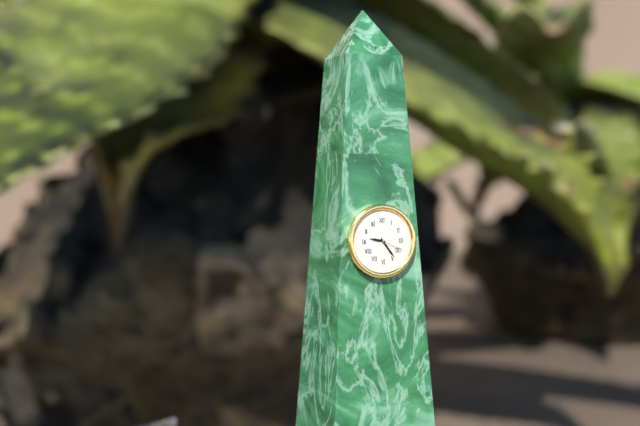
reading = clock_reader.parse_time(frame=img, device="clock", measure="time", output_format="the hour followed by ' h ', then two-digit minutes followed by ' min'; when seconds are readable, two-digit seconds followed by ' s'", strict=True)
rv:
9 h 24 min
